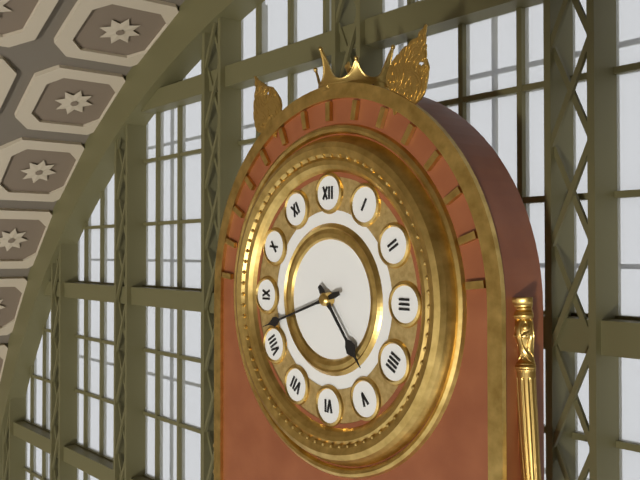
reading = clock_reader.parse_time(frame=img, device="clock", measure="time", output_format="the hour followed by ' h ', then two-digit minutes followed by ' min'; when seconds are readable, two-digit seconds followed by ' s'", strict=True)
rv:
4 h 42 min
